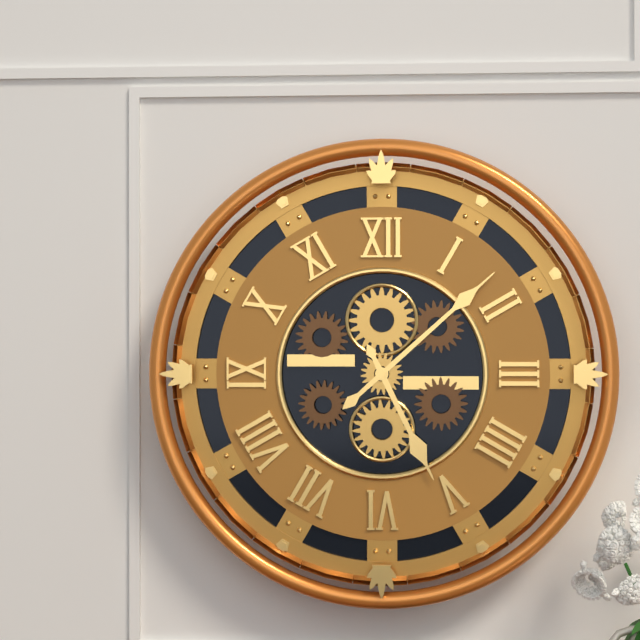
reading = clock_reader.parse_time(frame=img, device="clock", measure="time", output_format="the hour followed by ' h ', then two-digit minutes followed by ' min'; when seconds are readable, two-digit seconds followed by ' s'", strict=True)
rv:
5 h 08 min
